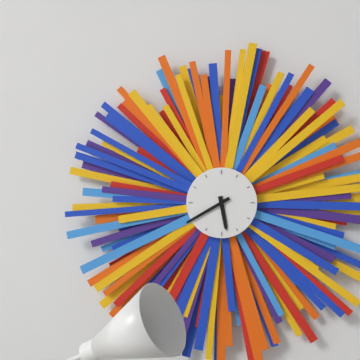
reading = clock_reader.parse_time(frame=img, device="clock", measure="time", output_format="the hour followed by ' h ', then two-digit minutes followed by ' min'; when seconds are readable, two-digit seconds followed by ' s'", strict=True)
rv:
5 h 40 min
